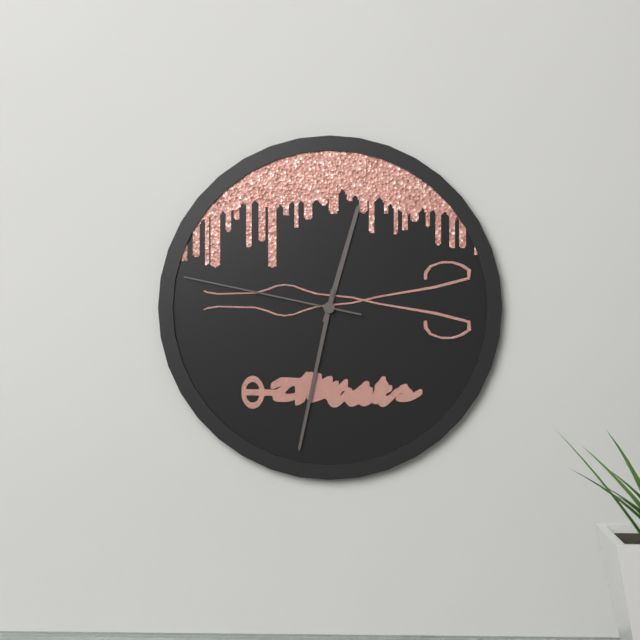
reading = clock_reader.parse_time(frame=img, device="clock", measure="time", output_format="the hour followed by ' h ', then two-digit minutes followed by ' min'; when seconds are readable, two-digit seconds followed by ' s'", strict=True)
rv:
12 h 32 min 47 s
